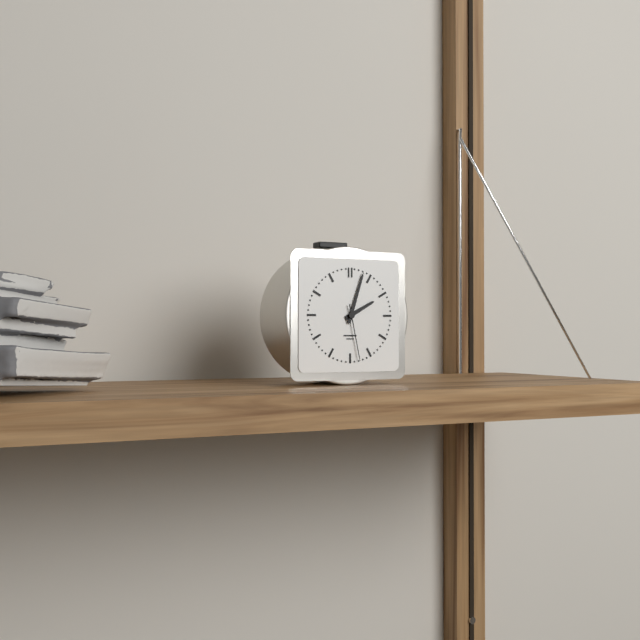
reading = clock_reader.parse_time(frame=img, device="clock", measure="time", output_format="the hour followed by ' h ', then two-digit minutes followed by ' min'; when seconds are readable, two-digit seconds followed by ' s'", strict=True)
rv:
2 h 03 min 28 s
